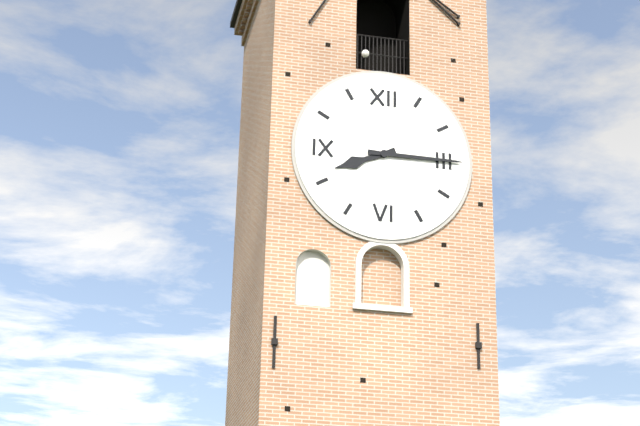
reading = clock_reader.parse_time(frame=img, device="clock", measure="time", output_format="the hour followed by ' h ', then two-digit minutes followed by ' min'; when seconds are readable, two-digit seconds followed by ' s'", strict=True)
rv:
8 h 15 min
